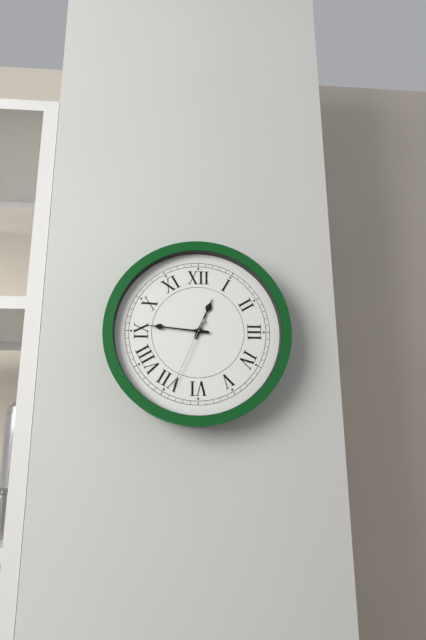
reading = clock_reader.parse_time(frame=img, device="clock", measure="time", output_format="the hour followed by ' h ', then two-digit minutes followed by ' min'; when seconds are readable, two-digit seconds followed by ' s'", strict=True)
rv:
12 h 46 min 34 s
